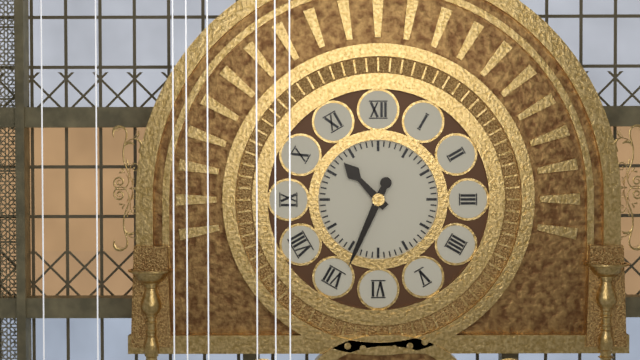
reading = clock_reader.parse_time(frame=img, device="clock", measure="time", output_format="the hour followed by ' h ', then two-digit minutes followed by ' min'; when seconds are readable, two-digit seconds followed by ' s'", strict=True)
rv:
10 h 34 min
